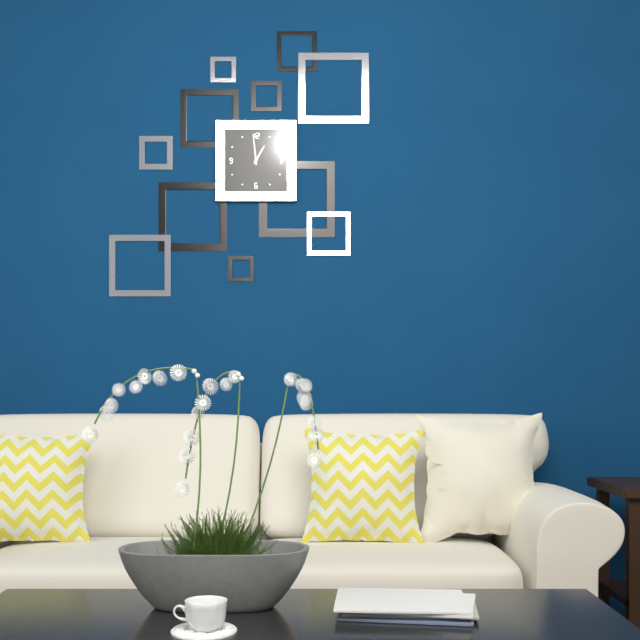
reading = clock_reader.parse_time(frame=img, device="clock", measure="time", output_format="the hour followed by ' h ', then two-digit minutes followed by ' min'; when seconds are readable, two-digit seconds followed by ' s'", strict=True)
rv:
12 h 59 min
